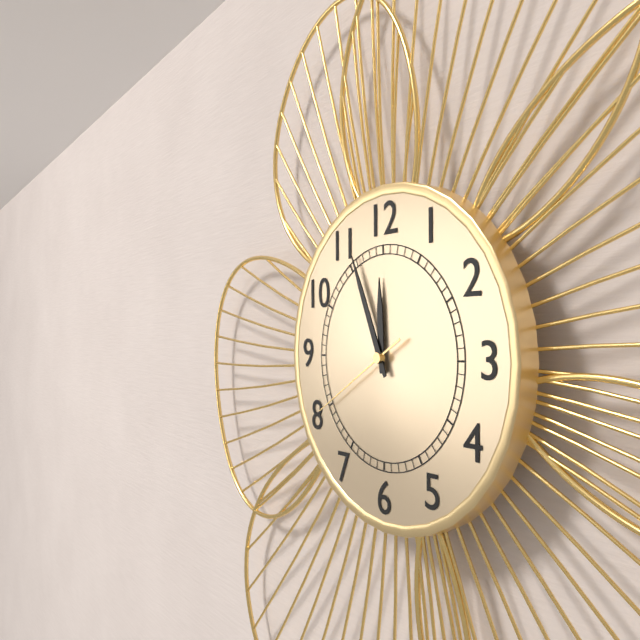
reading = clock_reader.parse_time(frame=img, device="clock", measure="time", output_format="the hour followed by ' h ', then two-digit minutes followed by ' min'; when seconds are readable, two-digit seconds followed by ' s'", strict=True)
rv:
11 h 56 min 40 s
